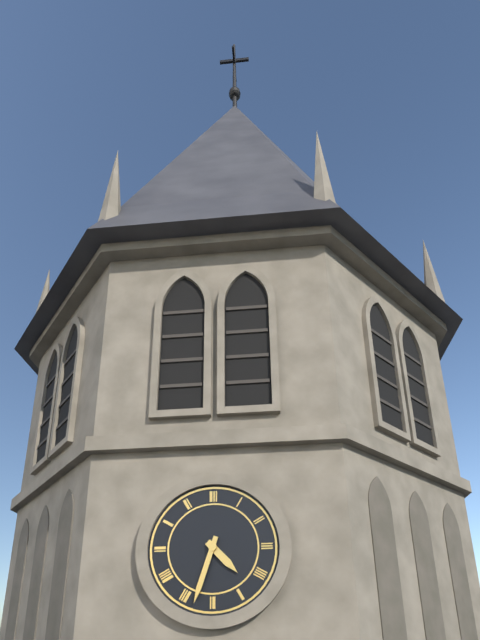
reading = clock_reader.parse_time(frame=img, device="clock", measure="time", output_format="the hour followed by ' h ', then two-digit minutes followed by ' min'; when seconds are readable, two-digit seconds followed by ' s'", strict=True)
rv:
4 h 33 min
